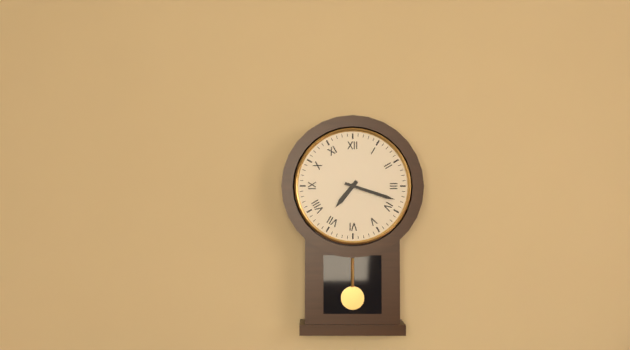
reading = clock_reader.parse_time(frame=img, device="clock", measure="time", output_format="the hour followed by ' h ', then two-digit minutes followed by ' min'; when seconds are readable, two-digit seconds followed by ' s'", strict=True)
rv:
7 h 18 min
